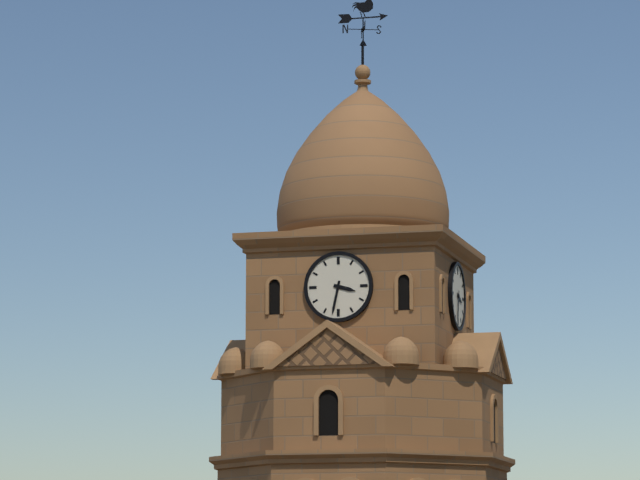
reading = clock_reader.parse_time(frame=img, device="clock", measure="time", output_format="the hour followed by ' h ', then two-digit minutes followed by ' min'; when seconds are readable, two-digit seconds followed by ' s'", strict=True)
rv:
3 h 32 min
